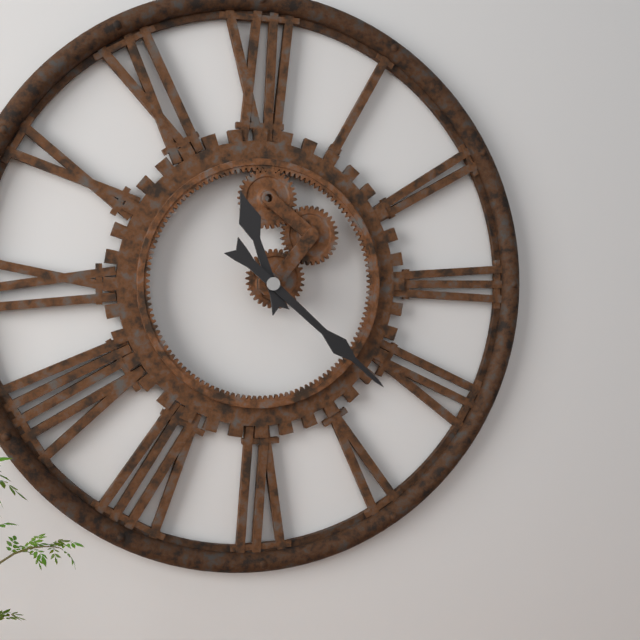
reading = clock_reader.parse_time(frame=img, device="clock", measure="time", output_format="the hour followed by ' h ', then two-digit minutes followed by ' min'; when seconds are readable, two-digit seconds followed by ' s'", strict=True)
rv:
11 h 22 min
